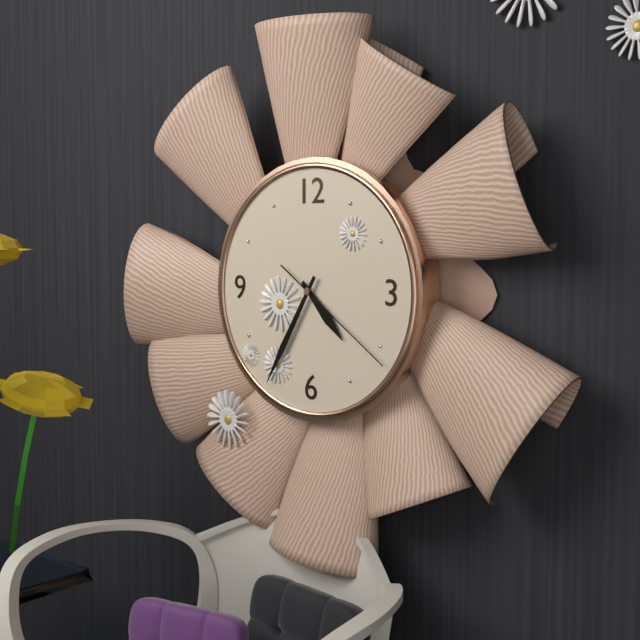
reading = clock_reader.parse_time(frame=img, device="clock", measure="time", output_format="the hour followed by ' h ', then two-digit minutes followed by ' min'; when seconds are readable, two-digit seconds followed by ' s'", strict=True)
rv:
4 h 35 min 21 s
